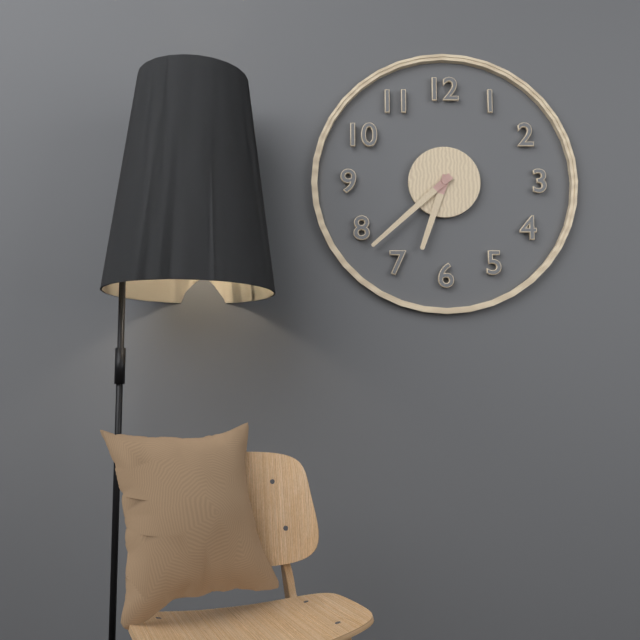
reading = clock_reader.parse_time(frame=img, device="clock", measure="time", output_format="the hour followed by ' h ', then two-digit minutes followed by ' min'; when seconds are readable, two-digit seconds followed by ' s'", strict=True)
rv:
6 h 38 min
